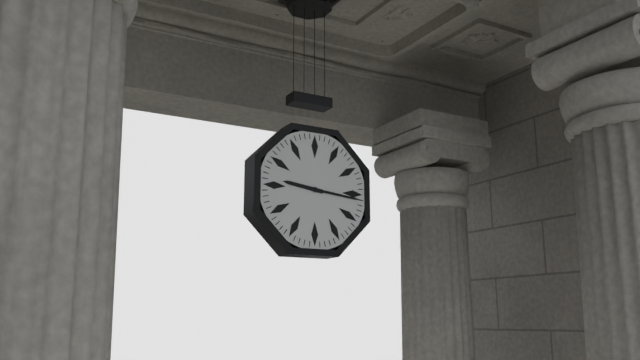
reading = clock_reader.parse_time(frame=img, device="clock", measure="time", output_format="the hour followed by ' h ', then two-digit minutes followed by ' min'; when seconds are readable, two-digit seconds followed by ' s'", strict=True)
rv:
9 h 16 min
